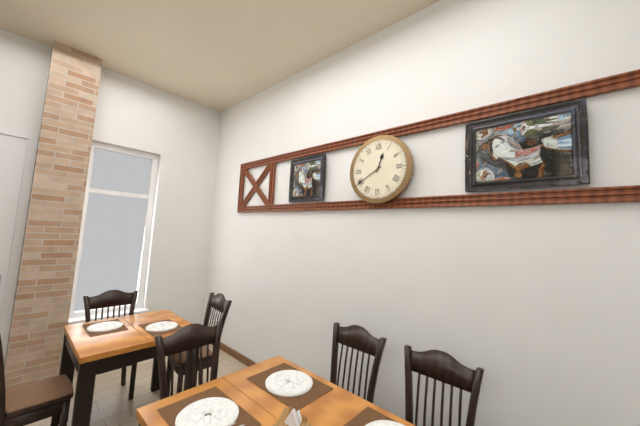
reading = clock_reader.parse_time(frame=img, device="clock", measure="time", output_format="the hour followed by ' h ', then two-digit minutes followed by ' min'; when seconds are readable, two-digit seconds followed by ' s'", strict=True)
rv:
12 h 40 min
